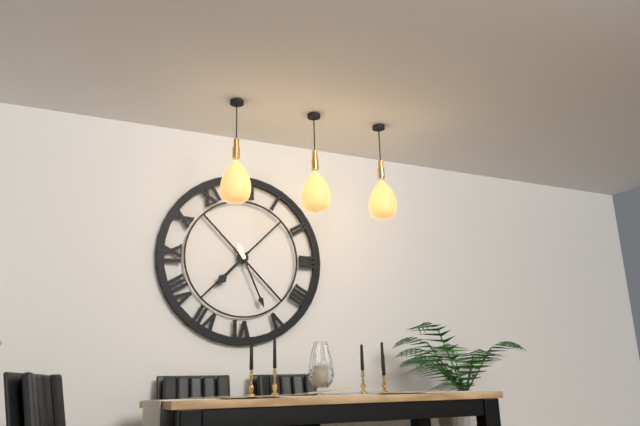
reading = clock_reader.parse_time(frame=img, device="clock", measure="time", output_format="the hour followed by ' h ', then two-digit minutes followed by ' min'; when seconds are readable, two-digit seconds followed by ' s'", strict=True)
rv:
7 h 26 min
